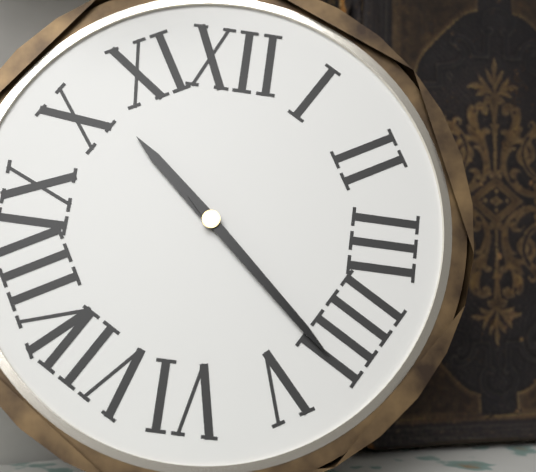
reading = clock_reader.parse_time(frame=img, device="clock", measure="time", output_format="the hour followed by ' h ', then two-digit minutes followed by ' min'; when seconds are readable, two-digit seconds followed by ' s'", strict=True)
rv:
10 h 22 min
